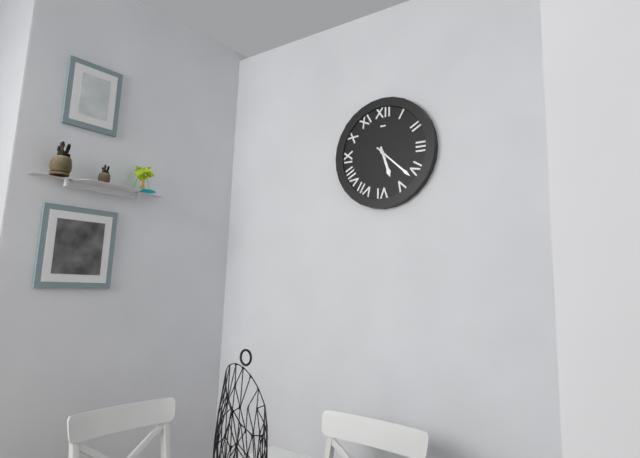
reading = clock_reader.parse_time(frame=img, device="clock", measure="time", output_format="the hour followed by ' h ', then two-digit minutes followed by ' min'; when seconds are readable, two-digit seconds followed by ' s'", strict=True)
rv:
5 h 22 min
